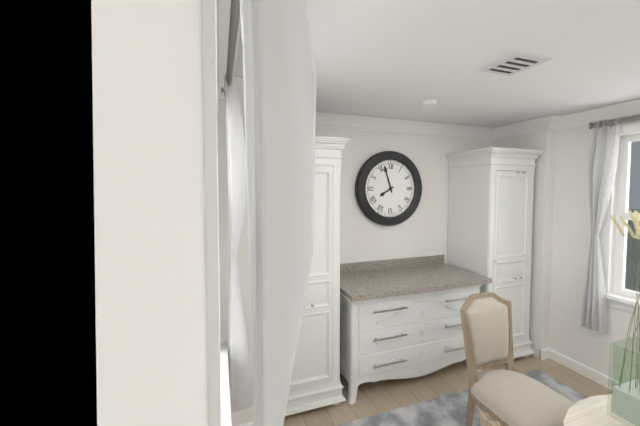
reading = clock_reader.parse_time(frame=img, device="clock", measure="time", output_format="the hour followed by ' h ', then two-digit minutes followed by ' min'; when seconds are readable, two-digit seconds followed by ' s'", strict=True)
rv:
7 h 57 min
